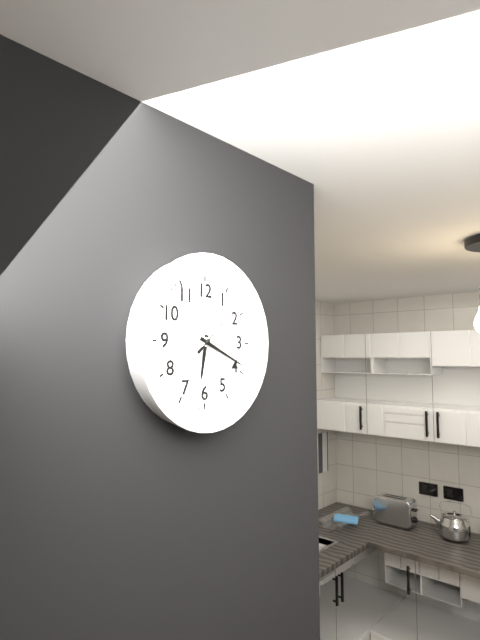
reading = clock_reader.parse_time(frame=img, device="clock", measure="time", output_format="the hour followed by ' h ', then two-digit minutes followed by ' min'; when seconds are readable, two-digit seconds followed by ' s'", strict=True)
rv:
6 h 19 min 08 s
